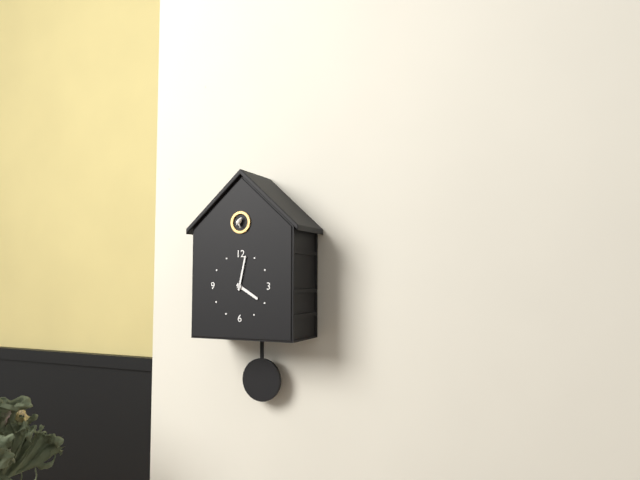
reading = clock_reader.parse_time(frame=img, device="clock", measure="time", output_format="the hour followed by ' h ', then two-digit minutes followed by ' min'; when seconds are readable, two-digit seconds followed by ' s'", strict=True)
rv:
4 h 02 min
